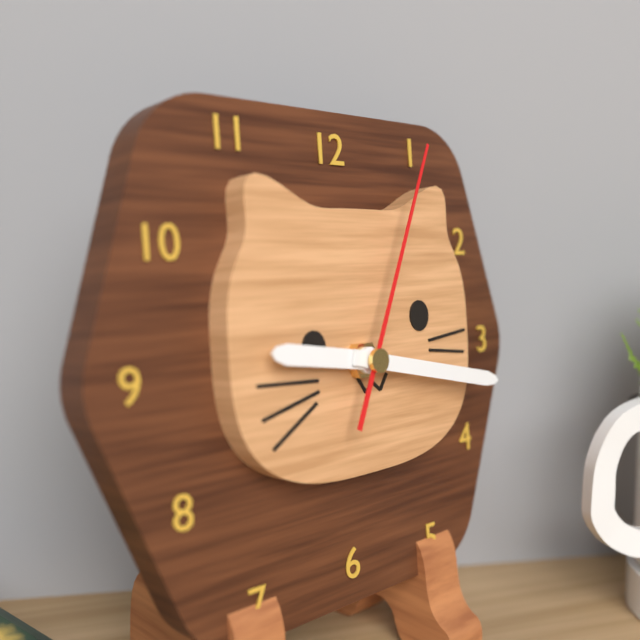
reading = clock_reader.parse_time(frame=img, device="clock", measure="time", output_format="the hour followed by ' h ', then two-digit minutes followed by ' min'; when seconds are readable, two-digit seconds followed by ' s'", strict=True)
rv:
9 h 17 min 04 s
